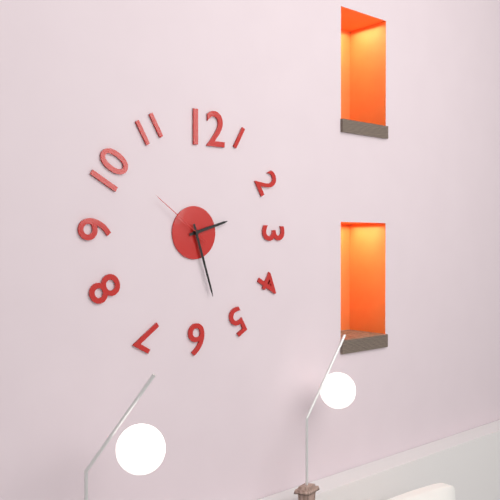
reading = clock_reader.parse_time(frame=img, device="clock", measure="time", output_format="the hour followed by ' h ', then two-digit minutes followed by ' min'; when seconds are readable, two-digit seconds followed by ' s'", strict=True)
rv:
2 h 27 min 51 s
